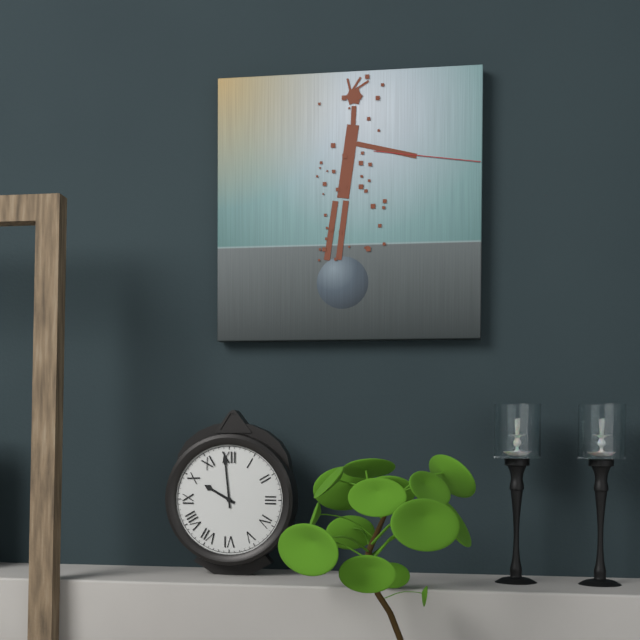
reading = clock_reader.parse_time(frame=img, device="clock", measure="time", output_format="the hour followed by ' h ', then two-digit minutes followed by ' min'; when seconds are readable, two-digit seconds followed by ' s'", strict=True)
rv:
9 h 59 min
